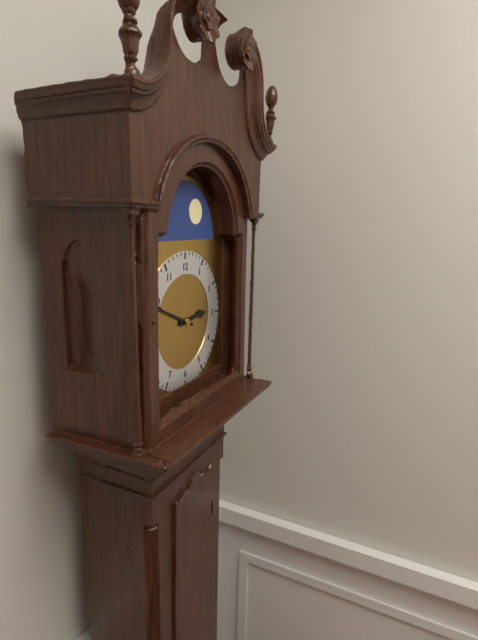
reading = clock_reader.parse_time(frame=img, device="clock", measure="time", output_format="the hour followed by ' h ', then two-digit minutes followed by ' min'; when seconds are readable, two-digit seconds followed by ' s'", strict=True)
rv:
2 h 49 min
